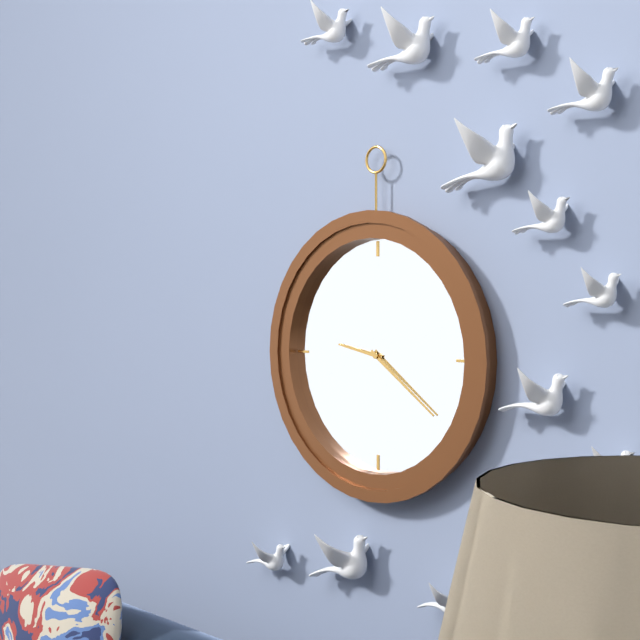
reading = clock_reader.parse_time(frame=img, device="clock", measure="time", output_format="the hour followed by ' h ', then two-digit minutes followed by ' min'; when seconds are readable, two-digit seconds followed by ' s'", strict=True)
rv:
9 h 21 min
